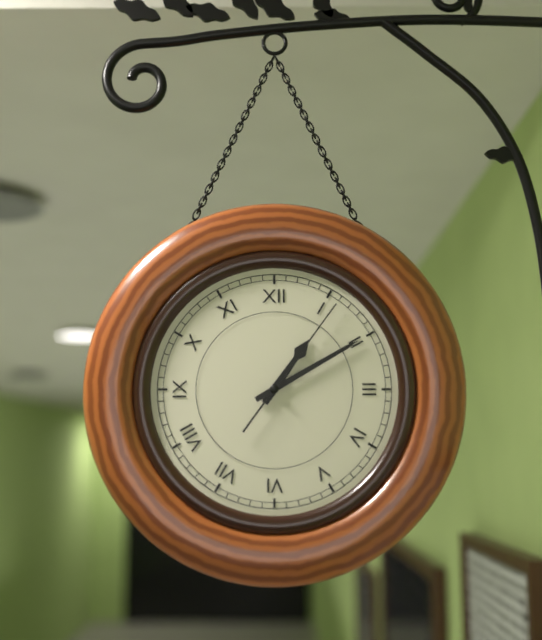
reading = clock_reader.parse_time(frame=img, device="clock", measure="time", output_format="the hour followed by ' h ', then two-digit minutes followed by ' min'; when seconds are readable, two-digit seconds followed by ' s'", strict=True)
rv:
1 h 10 min 06 s
